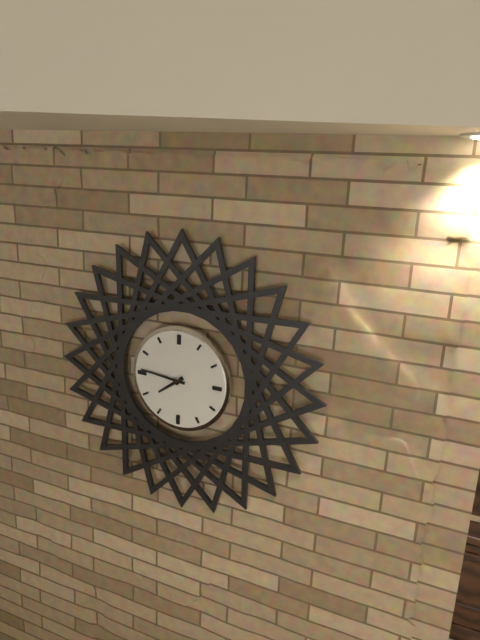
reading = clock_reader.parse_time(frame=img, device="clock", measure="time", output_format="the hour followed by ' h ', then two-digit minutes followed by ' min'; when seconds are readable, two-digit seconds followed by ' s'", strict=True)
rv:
7 h 46 min
